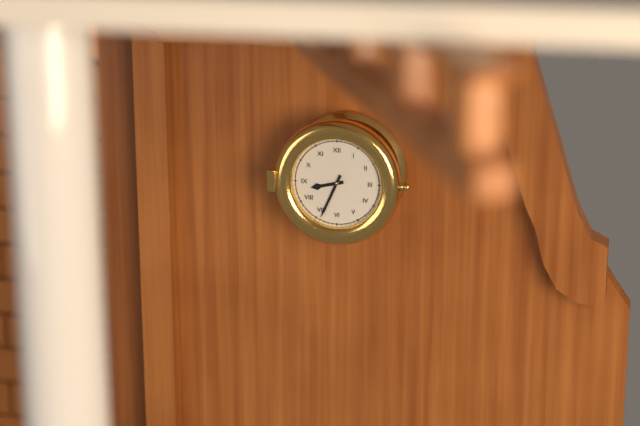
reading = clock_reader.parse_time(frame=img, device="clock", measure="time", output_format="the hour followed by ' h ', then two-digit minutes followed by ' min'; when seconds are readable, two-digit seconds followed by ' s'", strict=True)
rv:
8 h 34 min
